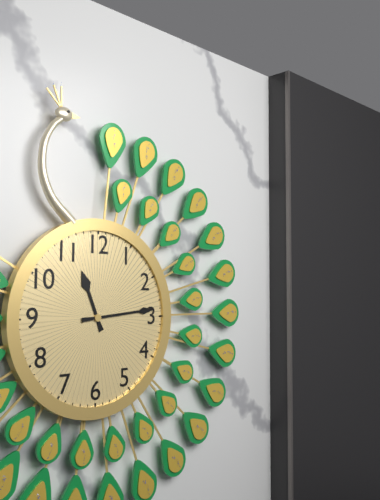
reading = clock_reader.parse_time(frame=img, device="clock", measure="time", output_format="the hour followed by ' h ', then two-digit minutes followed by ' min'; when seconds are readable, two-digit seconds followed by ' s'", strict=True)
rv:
11 h 14 min
